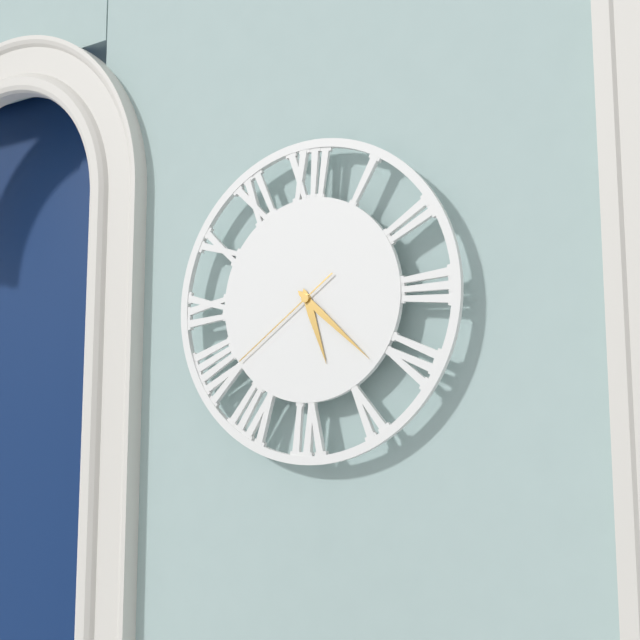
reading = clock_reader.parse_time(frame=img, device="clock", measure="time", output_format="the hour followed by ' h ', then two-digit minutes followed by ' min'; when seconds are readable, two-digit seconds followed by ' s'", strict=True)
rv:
5 h 22 min 39 s
